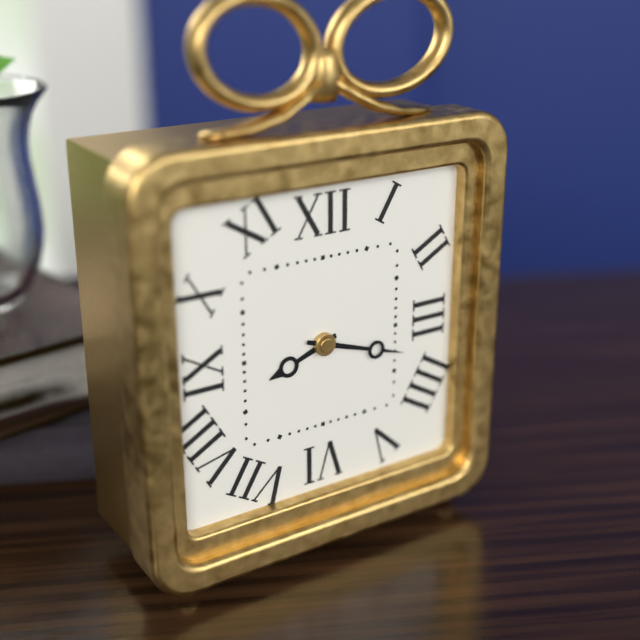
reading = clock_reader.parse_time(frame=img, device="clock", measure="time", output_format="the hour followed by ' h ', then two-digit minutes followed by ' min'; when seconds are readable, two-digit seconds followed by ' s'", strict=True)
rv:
8 h 18 min
